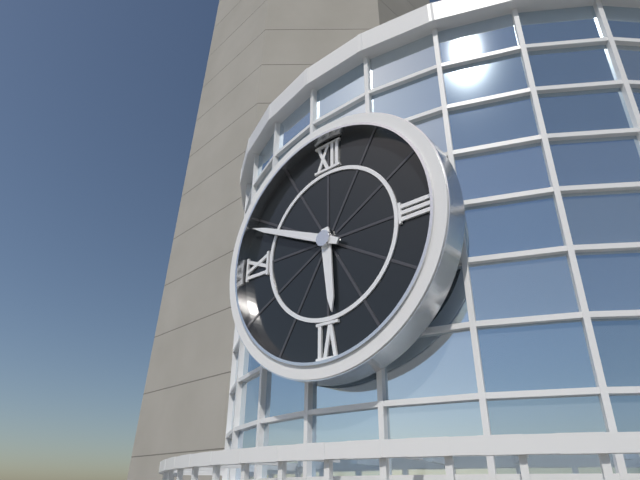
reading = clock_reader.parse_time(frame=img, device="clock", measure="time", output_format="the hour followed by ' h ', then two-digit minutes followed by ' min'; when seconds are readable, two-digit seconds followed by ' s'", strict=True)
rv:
5 h 49 min
